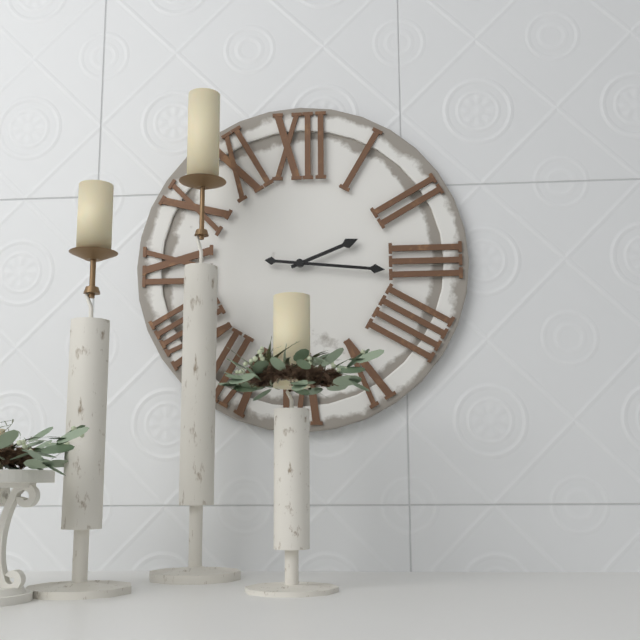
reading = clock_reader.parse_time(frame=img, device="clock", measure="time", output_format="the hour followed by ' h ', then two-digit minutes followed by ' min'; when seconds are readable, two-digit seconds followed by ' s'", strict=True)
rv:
2 h 16 min
